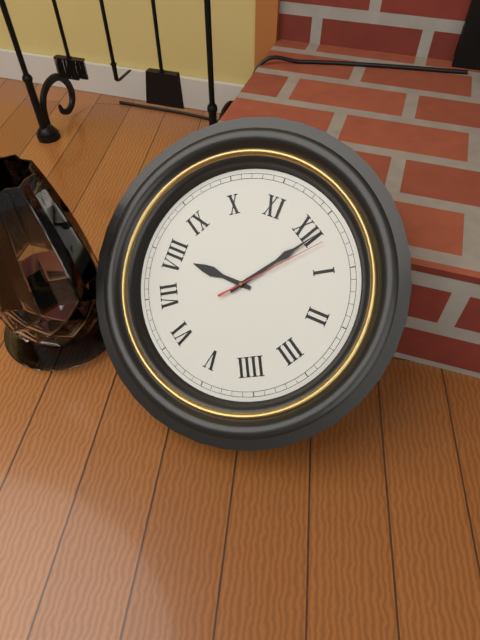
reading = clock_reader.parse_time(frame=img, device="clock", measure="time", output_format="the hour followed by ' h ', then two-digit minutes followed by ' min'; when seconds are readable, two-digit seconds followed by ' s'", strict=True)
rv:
8 h 01 min 02 s
